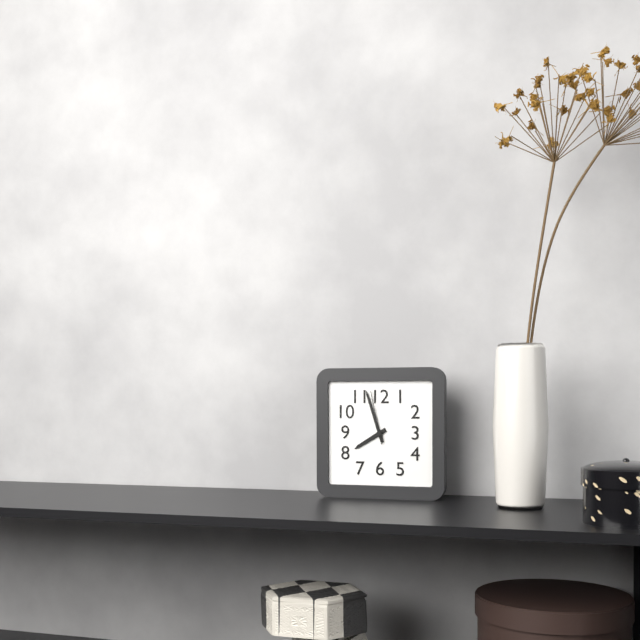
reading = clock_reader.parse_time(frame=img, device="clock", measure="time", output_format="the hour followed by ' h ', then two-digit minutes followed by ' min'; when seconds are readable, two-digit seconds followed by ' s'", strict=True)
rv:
7 h 57 min 58 s
